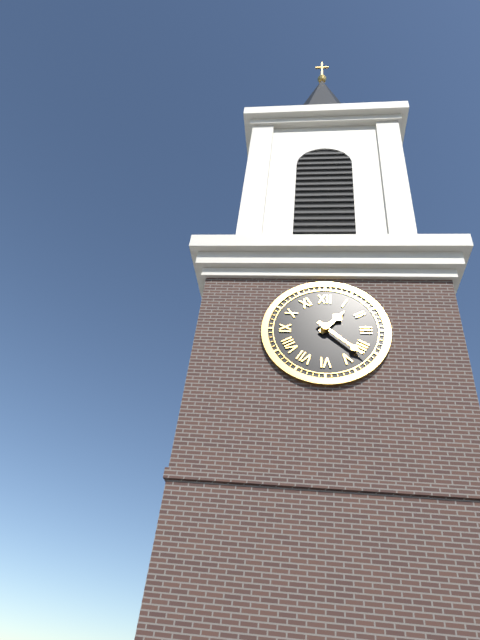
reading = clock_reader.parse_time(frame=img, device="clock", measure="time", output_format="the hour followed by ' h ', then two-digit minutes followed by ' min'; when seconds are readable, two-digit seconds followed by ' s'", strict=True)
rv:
1 h 22 min
